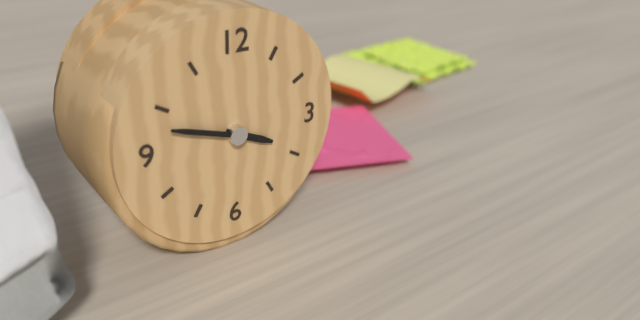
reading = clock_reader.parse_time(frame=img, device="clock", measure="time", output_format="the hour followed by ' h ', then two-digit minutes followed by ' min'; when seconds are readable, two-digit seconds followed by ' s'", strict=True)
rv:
3 h 48 min
